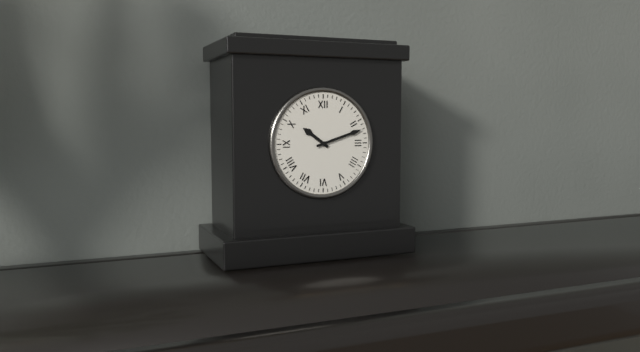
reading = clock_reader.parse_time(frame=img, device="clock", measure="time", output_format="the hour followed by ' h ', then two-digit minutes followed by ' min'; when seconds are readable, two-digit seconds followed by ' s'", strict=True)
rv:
10 h 12 min
